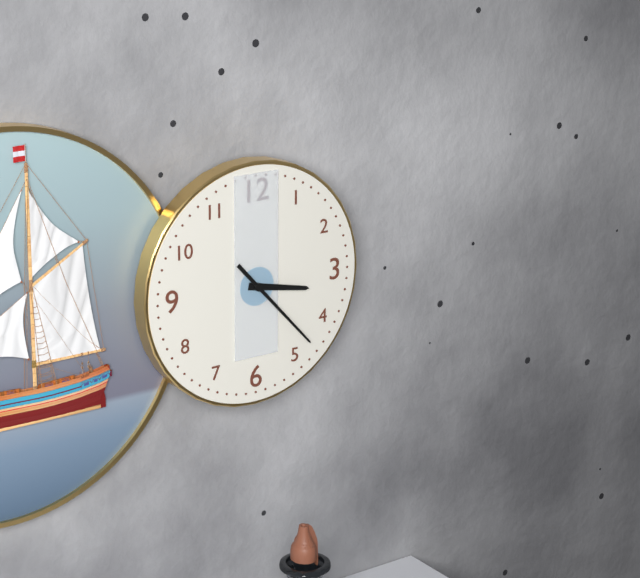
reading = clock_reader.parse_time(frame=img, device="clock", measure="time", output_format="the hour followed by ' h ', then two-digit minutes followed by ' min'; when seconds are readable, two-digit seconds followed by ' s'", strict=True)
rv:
3 h 23 min
